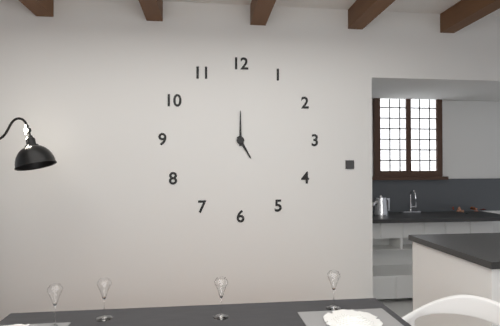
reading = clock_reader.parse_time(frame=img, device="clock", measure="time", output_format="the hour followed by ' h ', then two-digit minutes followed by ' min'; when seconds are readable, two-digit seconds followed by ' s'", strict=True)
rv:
5 h 00 min
